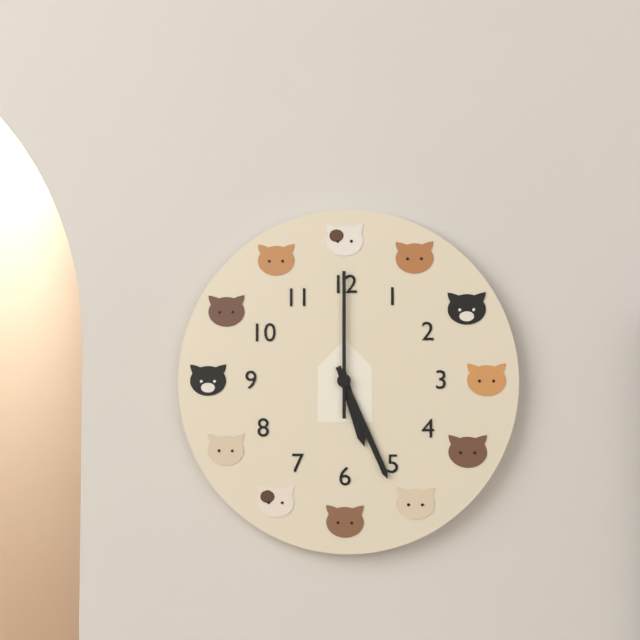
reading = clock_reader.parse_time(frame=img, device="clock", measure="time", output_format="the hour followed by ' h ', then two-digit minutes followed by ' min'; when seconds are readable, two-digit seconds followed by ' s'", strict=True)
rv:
5 h 26 min 00 s
